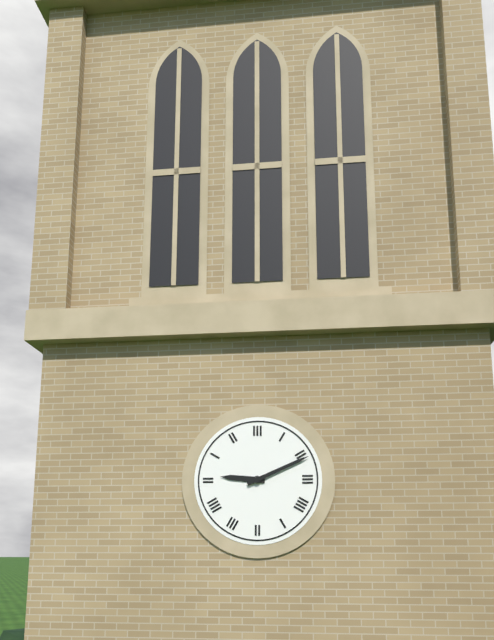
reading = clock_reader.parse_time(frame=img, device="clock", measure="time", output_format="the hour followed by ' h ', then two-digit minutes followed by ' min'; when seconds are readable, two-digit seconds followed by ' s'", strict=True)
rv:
9 h 11 min
